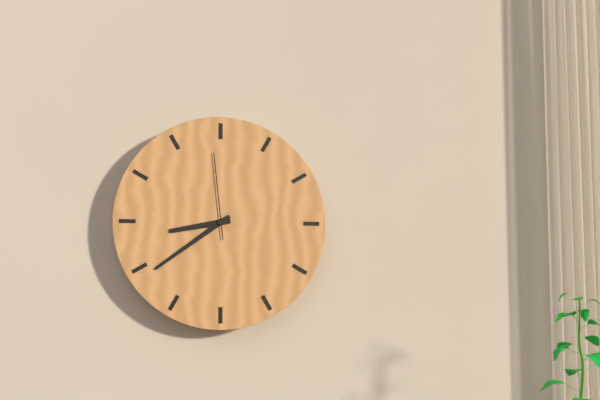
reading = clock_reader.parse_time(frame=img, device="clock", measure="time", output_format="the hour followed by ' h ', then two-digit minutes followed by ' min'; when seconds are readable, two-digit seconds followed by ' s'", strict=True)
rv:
8 h 39 min 59 s
